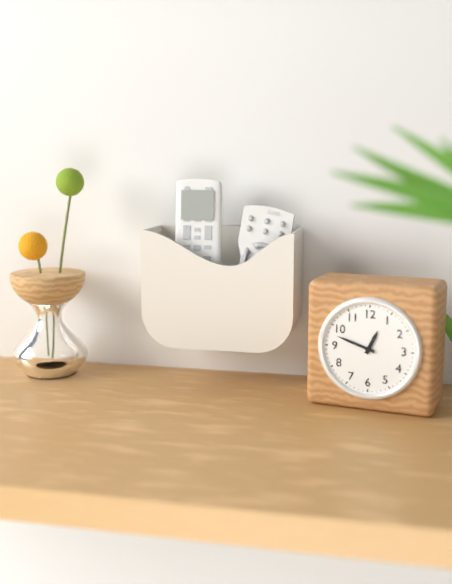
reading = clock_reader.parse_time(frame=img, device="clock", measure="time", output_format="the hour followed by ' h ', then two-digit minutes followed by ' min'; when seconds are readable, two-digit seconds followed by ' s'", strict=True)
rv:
12 h 48 min
